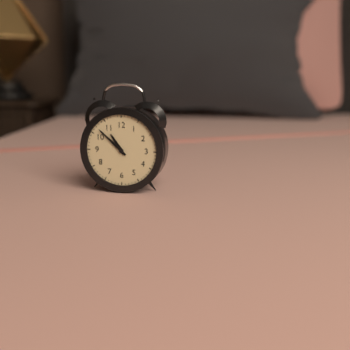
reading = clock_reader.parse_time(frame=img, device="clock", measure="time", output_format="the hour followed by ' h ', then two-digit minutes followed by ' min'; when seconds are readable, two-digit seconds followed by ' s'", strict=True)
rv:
10 h 52 min
